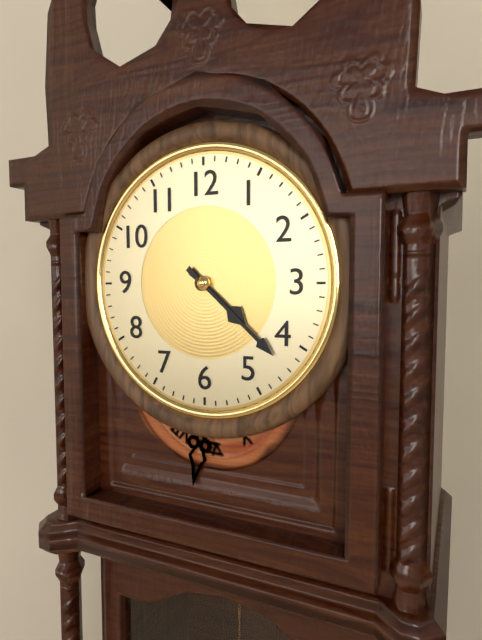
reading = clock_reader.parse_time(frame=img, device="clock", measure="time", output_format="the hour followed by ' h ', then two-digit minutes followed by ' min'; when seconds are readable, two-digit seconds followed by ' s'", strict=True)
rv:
4 h 22 min
